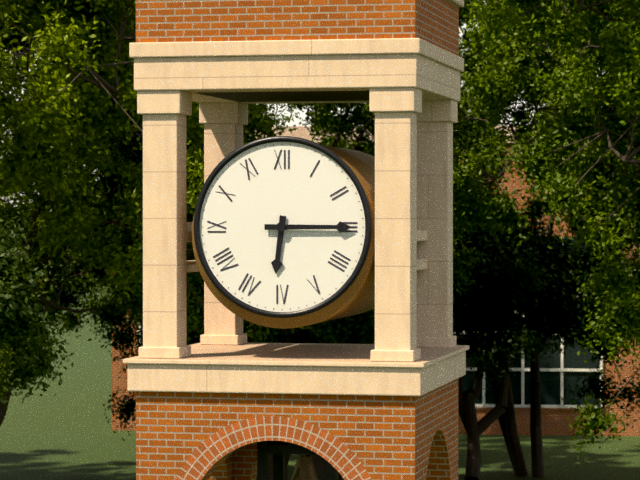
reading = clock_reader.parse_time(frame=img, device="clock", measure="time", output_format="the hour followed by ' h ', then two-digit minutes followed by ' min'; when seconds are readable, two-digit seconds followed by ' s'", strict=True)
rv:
6 h 15 min
